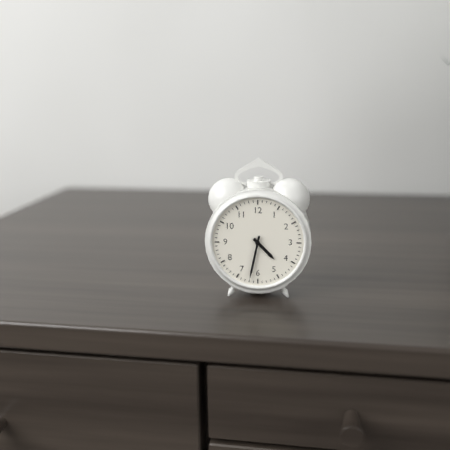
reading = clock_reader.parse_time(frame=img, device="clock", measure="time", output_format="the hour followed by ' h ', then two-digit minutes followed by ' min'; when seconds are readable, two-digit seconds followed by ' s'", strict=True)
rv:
4 h 32 min
